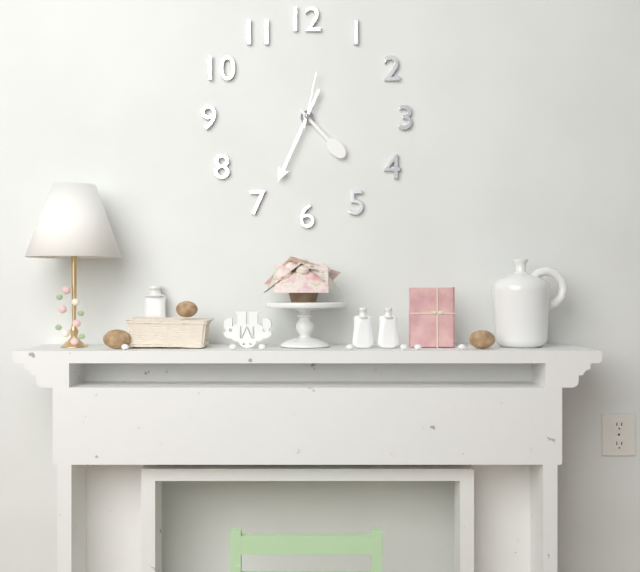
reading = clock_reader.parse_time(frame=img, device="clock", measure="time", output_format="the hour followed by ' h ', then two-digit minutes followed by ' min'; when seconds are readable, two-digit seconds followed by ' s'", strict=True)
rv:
4 h 34 min 02 s
